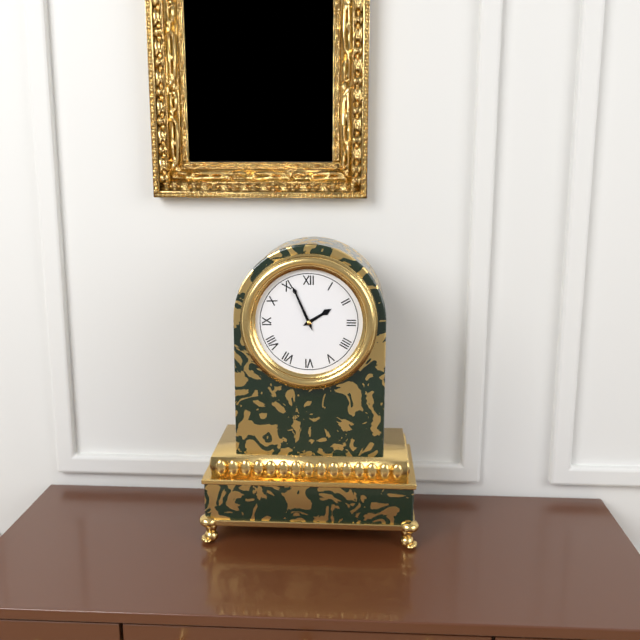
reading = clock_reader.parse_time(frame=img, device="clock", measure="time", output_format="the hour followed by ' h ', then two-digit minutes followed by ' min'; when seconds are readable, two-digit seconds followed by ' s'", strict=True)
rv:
1 h 56 min
